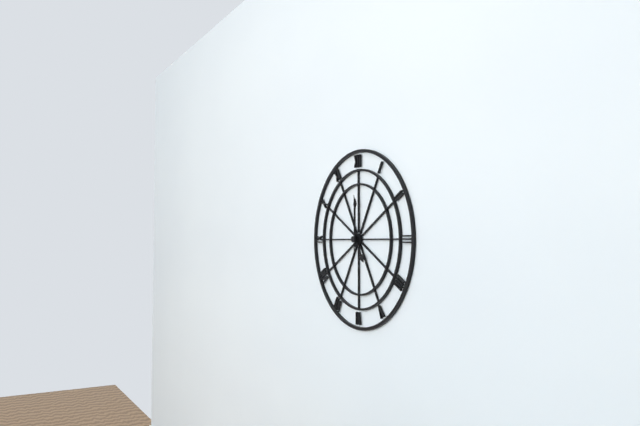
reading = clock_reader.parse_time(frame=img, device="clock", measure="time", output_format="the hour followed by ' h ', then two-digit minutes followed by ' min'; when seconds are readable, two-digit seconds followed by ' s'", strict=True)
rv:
5 h 00 min 00 s
